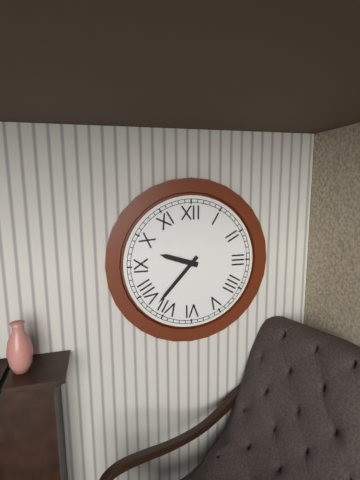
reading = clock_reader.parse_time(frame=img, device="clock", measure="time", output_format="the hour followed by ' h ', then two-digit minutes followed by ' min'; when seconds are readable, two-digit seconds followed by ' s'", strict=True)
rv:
9 h 37 min
